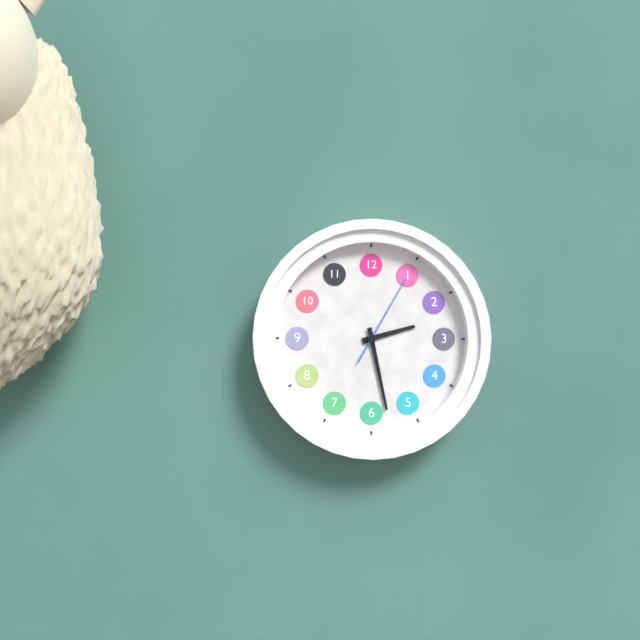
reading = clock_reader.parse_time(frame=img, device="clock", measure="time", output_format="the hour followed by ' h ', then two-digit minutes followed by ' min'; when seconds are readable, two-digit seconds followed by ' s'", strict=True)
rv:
2 h 28 min 05 s
